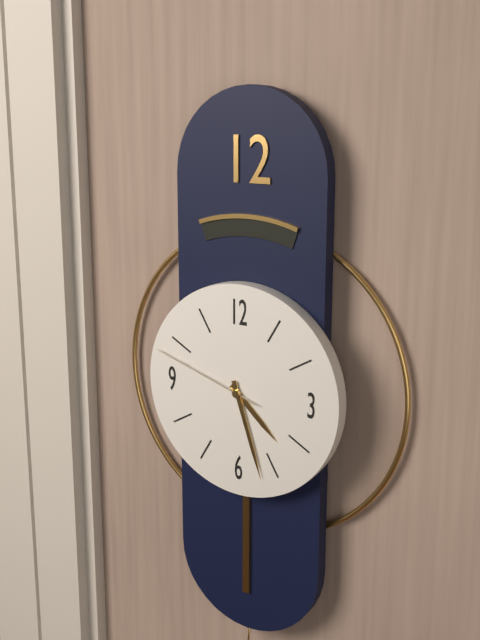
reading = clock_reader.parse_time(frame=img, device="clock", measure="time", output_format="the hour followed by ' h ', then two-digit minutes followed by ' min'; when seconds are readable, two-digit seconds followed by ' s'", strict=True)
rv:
4 h 27 min 48 s
